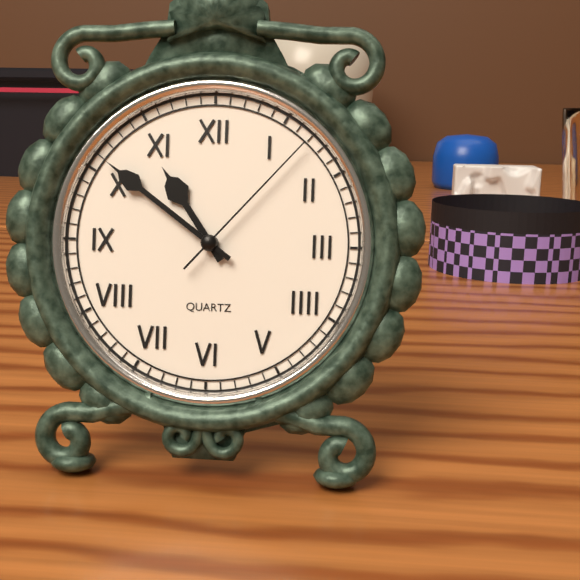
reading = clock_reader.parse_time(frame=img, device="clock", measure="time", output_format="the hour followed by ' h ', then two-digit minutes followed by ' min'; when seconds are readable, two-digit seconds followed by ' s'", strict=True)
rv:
10 h 51 min 07 s
